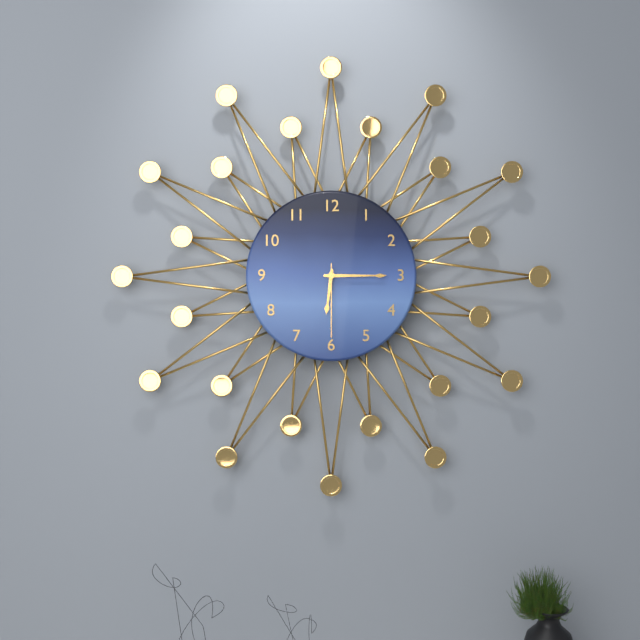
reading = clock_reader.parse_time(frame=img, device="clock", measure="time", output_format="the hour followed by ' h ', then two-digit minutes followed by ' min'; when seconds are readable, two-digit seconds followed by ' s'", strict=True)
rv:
6 h 15 min 30 s
